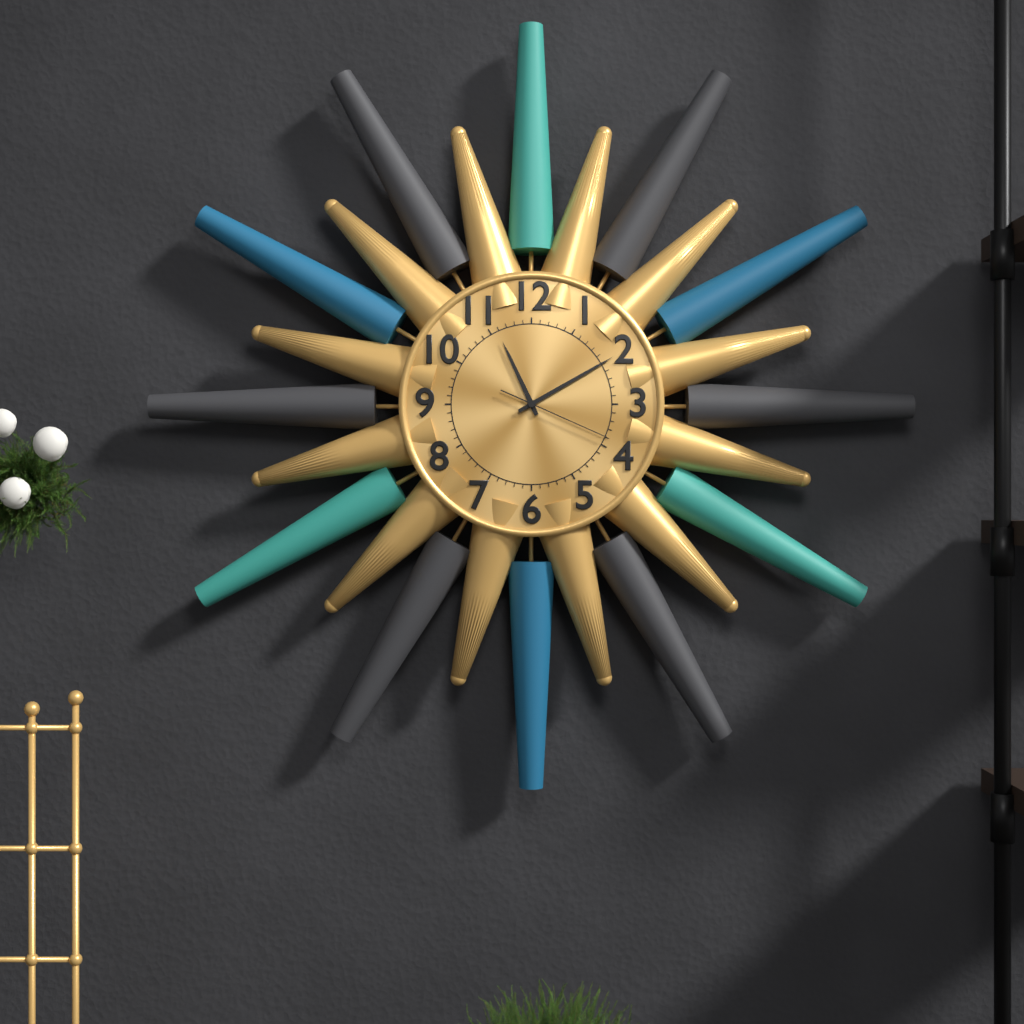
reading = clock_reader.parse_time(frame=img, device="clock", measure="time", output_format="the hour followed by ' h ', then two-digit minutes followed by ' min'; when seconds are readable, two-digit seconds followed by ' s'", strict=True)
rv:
11 h 10 min 19 s
